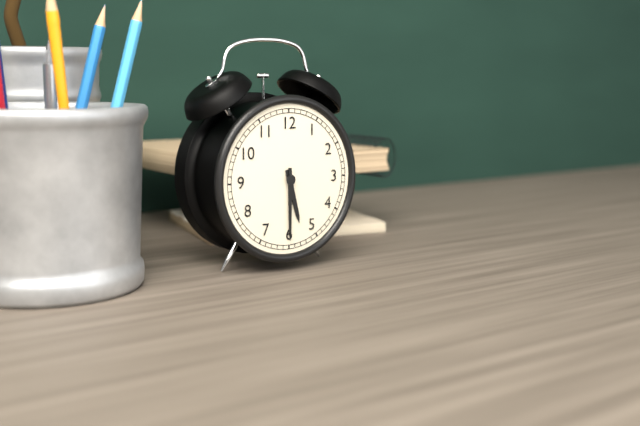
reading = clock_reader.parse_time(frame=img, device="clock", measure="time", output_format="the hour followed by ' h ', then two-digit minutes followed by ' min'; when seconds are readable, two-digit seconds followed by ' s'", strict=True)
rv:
5 h 30 min
